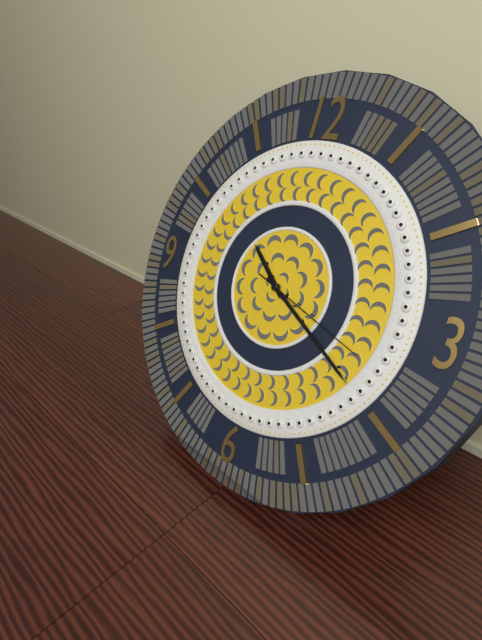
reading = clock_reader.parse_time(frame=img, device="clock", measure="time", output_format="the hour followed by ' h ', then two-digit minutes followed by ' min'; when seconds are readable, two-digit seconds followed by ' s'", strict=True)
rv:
10 h 20 min 18 s
